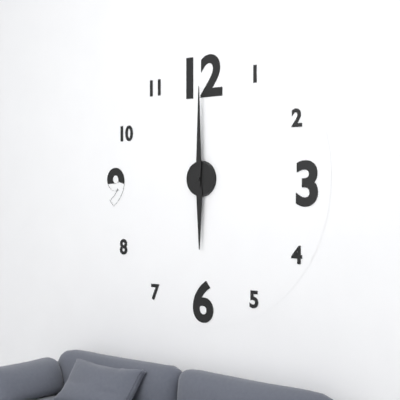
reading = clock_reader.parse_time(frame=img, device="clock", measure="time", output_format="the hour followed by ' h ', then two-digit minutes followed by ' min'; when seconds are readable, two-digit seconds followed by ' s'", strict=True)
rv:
6 h 00 min
